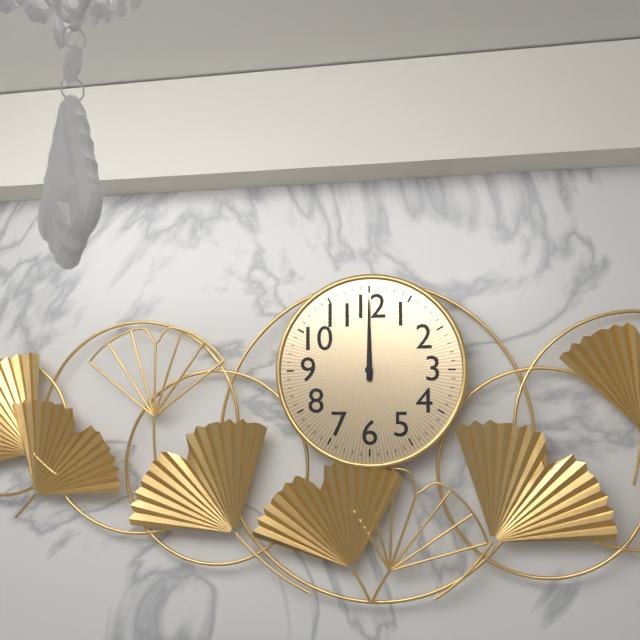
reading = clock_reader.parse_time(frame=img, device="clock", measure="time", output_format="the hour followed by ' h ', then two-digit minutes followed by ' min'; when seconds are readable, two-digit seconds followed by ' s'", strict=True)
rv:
12 h 00 min
